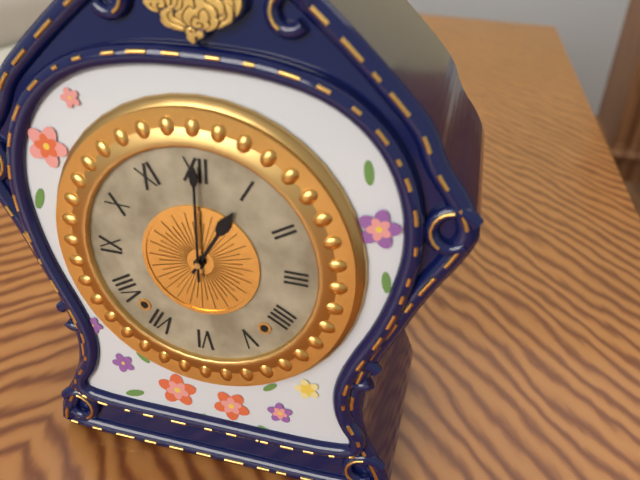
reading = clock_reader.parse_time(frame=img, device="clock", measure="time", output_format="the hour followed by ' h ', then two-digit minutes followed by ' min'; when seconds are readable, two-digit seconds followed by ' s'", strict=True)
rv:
1 h 00 min
